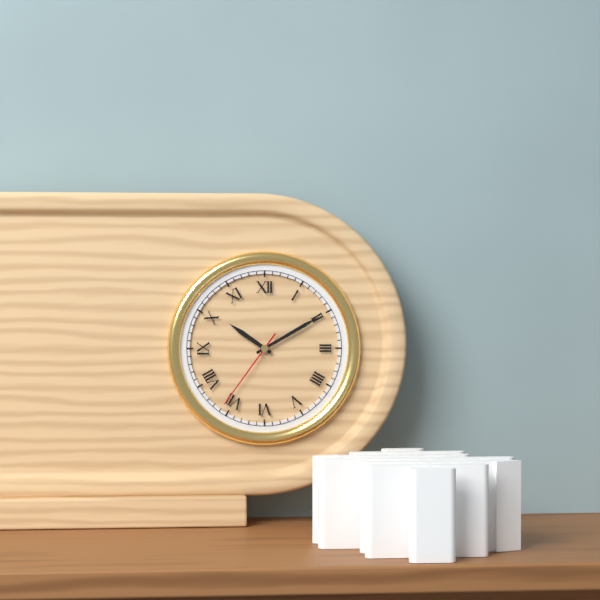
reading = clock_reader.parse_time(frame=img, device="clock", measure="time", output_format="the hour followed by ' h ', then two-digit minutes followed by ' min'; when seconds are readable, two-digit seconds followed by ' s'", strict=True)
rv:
10 h 10 min 36 s
